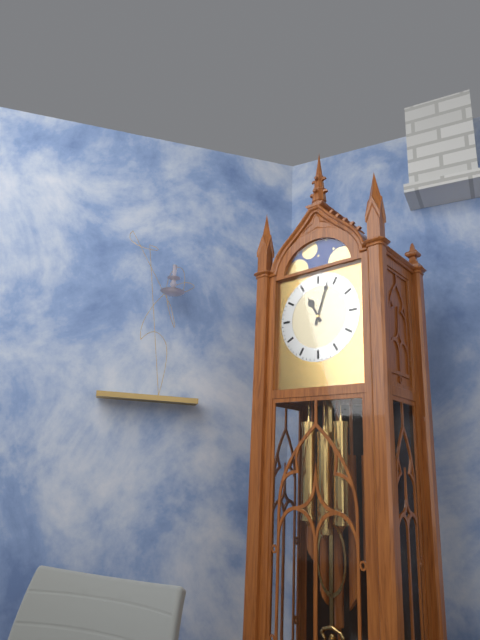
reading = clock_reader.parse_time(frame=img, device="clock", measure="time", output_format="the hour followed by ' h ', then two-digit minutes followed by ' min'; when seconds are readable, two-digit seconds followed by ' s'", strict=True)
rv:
11 h 03 min
